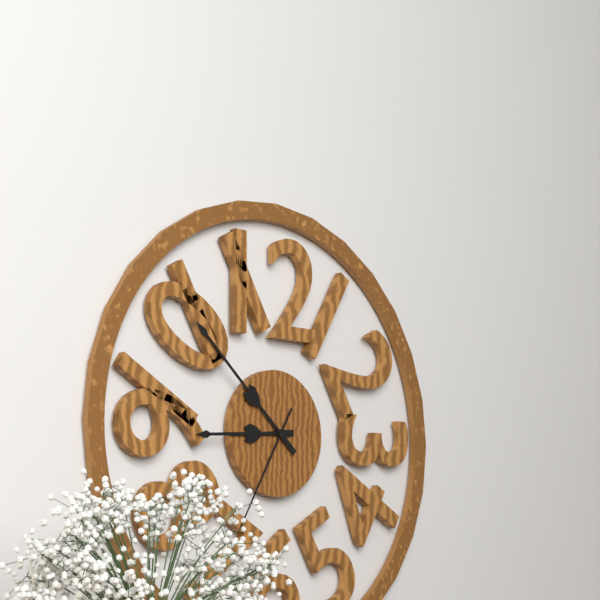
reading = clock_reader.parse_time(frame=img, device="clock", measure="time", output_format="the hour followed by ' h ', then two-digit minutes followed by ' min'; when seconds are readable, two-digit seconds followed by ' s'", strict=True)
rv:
8 h 52 min 35 s
